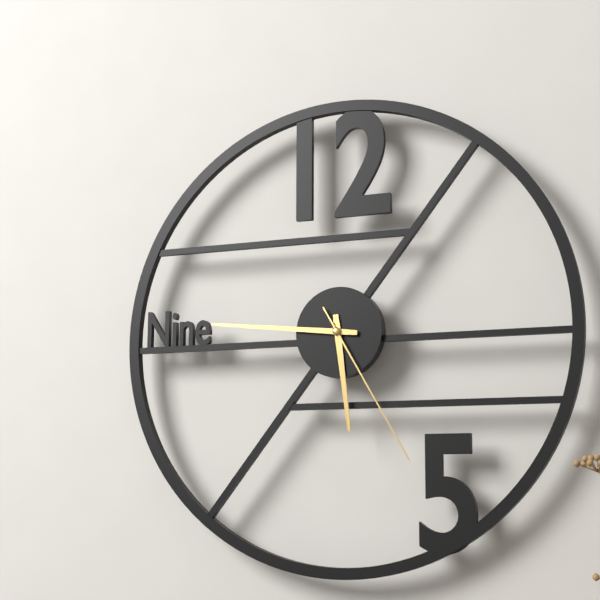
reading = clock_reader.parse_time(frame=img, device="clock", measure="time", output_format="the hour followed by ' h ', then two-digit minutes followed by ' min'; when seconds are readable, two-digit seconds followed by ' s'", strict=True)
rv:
5 h 46 min 25 s
